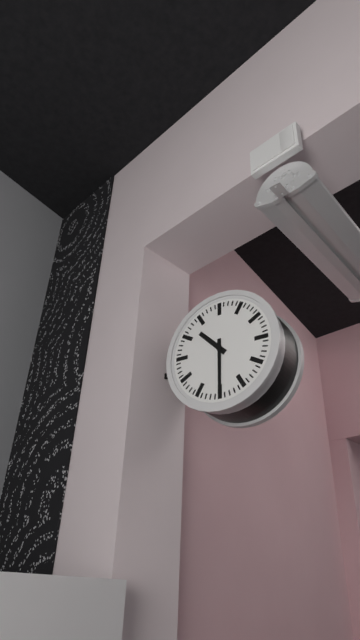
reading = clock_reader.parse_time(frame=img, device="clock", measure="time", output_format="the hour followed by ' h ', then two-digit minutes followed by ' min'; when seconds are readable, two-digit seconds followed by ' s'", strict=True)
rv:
10 h 30 min
